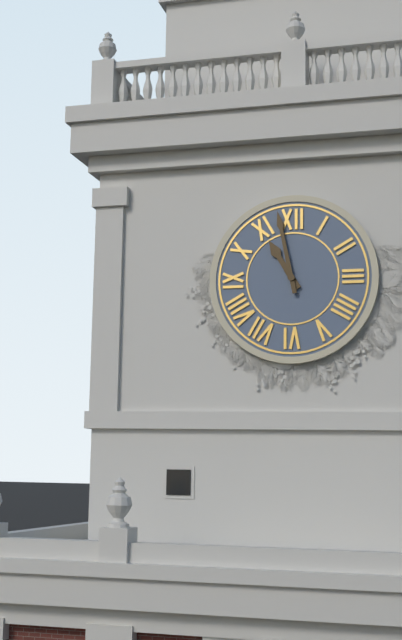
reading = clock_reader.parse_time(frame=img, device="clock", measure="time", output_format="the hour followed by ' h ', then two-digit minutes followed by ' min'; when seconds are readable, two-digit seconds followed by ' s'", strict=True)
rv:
10 h 58 min
